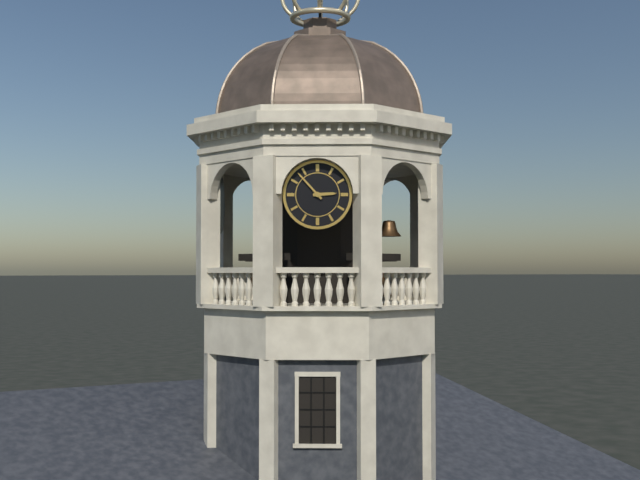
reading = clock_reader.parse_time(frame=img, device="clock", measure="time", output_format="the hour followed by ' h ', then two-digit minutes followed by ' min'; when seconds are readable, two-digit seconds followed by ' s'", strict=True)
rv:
2 h 53 min
